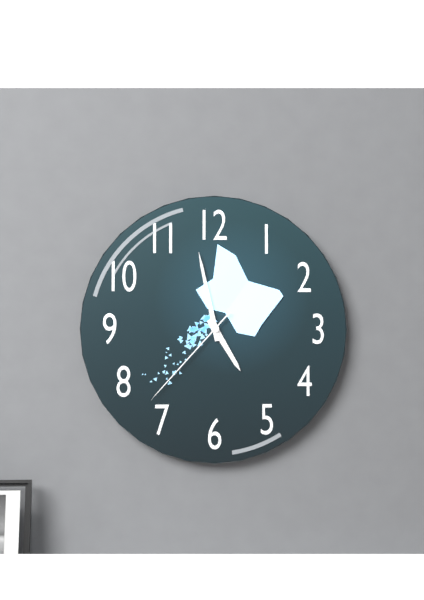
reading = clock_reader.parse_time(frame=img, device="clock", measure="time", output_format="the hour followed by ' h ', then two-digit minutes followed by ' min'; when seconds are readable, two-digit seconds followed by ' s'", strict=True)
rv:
4 h 58 min 37 s
